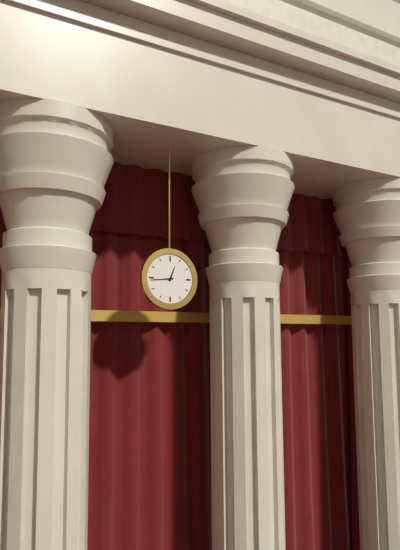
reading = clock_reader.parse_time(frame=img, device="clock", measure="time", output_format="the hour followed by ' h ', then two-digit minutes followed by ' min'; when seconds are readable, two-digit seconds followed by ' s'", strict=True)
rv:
12 h 44 min
